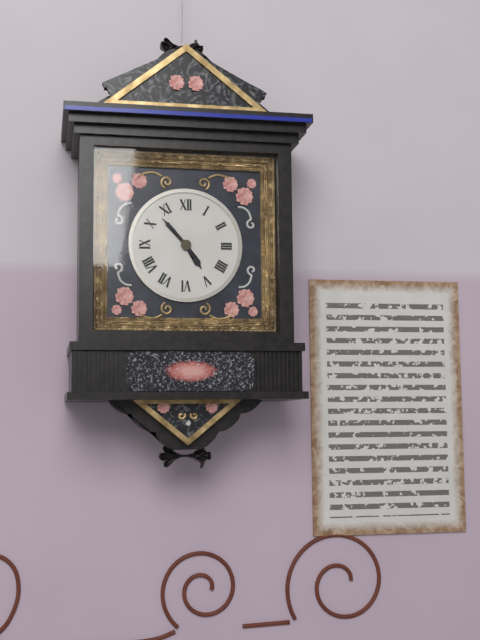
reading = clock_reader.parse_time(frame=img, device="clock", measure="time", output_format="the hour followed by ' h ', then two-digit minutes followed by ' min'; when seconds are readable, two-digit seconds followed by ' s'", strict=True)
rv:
4 h 53 min
